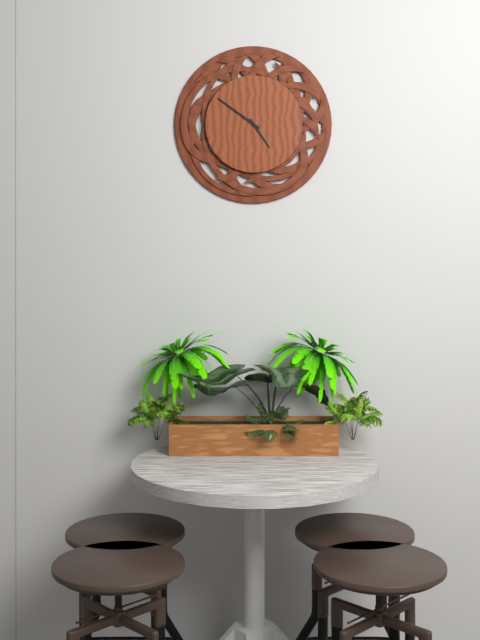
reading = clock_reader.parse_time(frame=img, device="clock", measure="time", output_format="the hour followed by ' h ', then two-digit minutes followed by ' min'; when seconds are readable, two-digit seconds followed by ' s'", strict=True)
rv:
4 h 51 min
